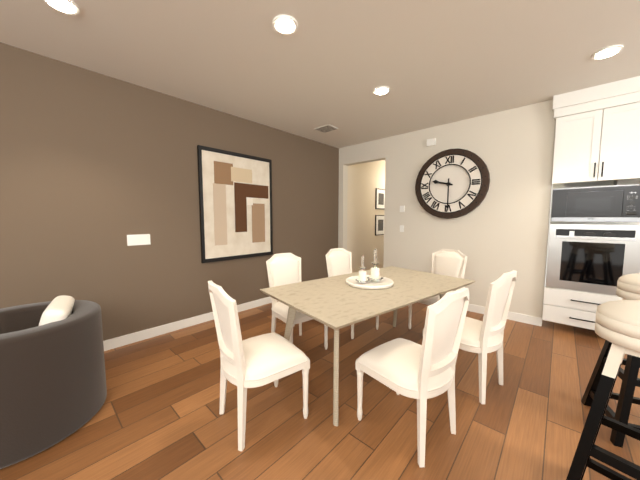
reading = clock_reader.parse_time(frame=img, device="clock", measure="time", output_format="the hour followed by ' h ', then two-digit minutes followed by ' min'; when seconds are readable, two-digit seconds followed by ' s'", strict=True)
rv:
9 h 30 min
